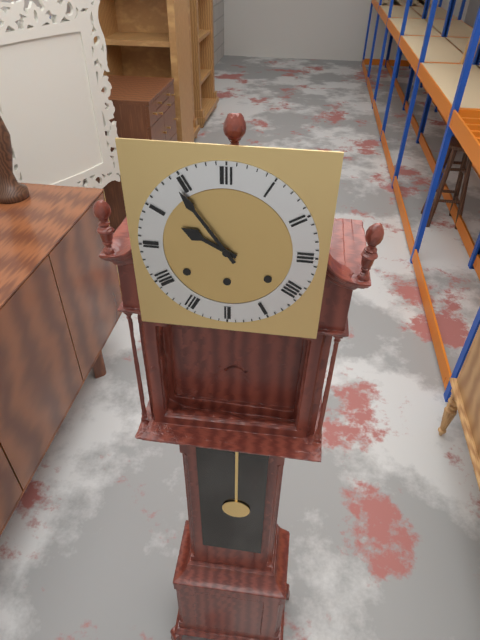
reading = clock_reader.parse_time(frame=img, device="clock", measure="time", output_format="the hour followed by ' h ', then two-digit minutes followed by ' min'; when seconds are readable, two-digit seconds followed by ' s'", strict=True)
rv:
9 h 54 min
